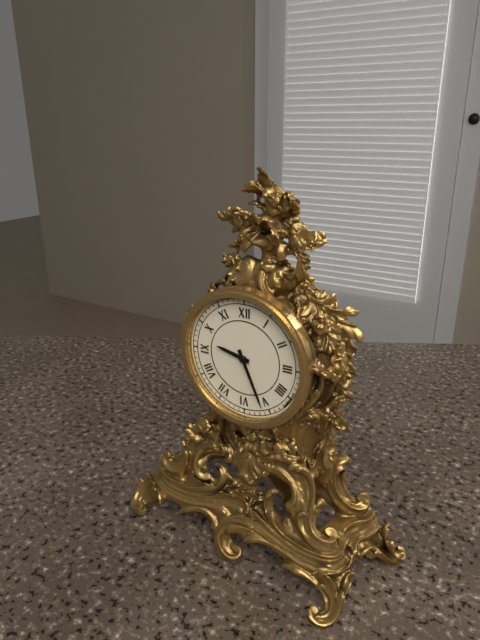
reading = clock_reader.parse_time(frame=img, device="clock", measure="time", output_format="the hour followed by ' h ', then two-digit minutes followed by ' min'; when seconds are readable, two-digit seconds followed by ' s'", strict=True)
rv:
9 h 26 min
